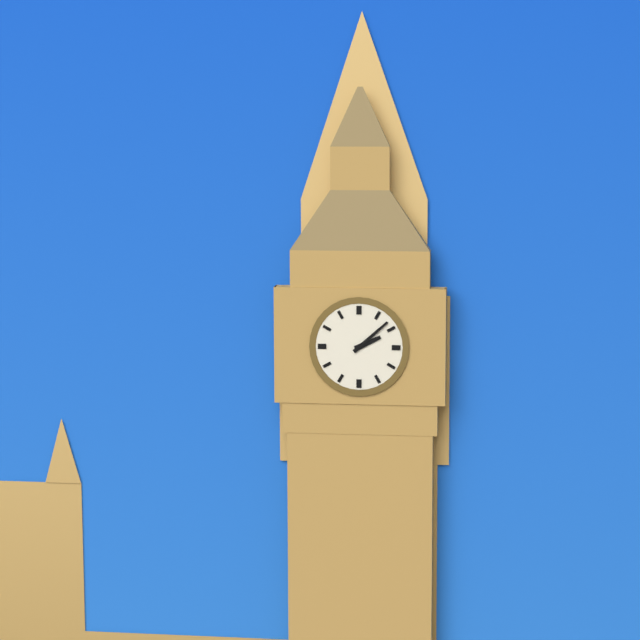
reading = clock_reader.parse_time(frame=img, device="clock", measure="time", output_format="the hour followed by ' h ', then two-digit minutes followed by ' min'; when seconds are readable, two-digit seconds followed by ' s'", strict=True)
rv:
2 h 08 min
